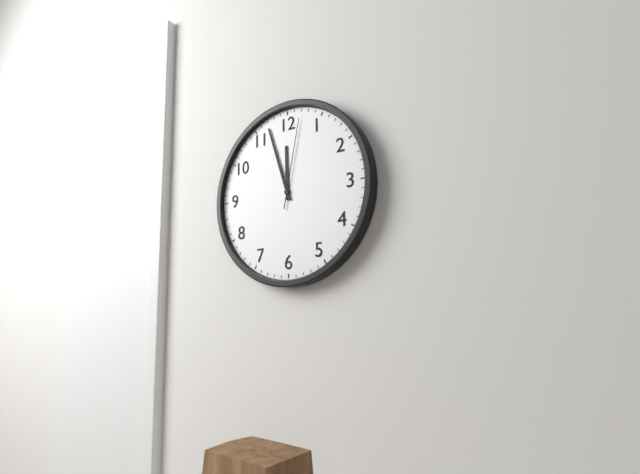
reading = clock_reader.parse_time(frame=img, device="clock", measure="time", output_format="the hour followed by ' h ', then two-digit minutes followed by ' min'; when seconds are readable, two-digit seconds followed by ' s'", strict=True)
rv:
11 h 57 min 02 s
